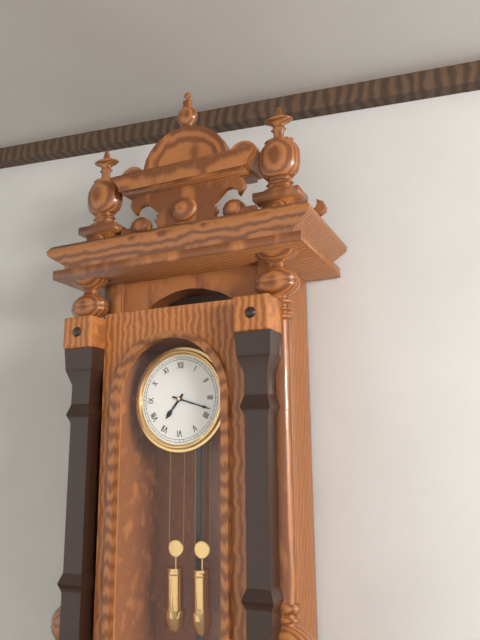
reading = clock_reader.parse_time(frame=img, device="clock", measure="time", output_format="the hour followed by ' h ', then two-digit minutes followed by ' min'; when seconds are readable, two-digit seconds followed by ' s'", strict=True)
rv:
7 h 18 min
